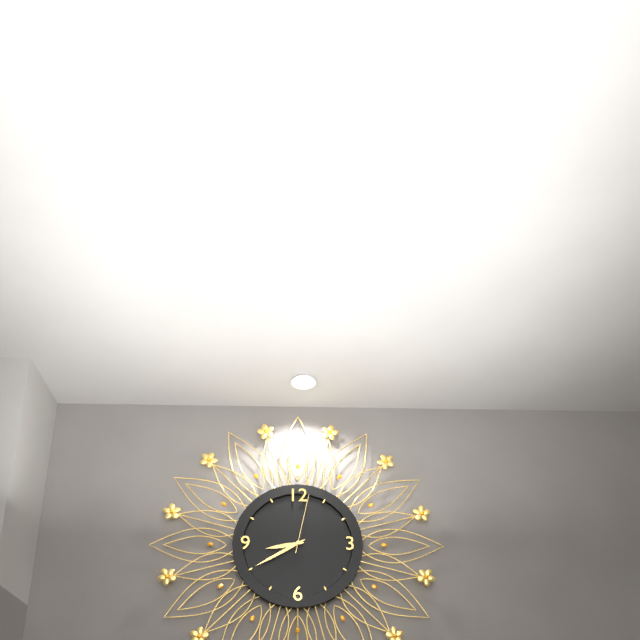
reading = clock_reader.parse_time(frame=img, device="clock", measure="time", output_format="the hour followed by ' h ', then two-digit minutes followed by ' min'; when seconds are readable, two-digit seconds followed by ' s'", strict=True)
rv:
8 h 40 min 02 s
